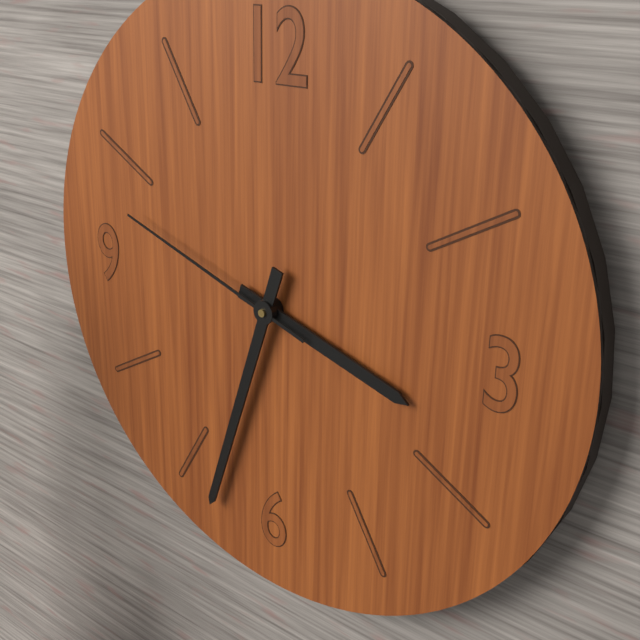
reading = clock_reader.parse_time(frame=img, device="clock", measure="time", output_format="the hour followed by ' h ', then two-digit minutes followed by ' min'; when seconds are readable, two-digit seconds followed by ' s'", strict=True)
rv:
3 h 33 min 48 s
